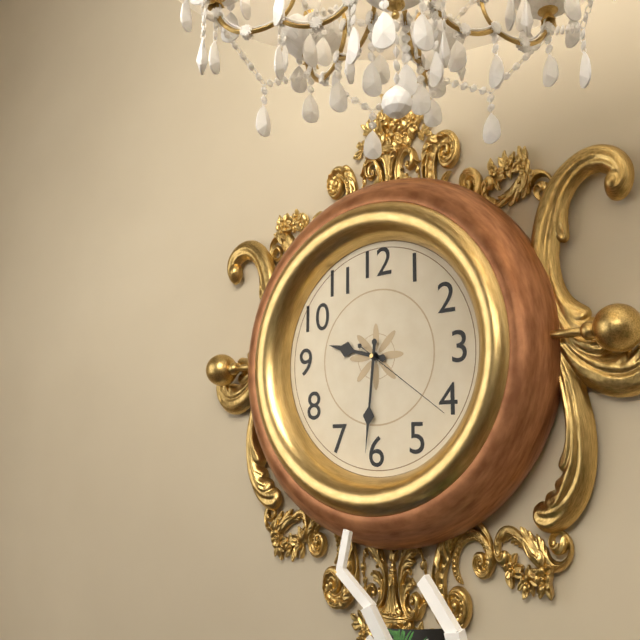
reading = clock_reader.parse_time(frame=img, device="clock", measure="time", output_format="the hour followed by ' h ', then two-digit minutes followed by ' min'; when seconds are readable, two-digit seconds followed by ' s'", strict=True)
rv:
9 h 31 min 21 s
